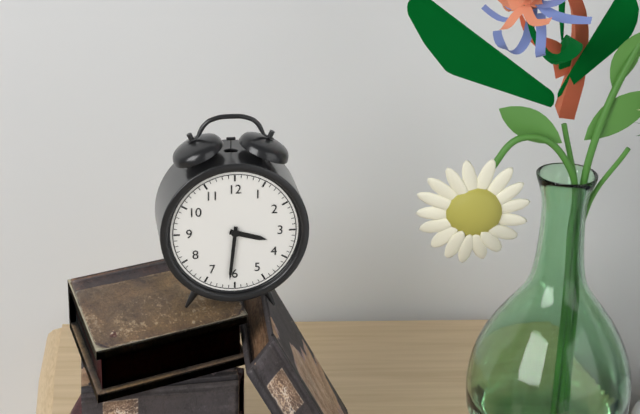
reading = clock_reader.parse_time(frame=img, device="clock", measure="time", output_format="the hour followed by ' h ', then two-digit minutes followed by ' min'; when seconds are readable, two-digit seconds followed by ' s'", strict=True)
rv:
3 h 31 min
